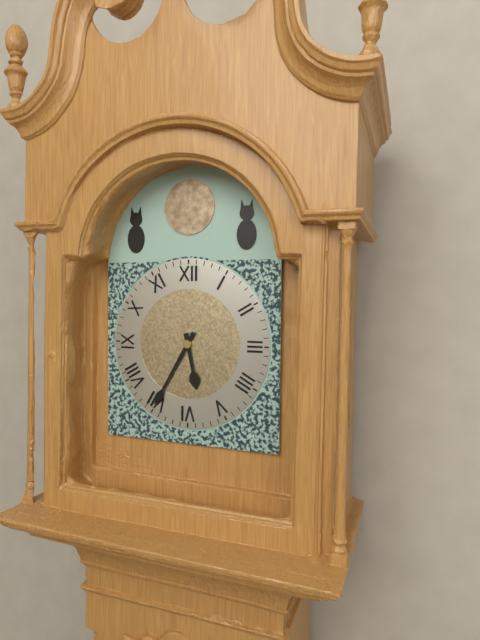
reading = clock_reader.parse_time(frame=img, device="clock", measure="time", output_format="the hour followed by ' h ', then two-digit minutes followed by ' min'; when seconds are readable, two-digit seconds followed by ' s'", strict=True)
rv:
5 h 35 min
